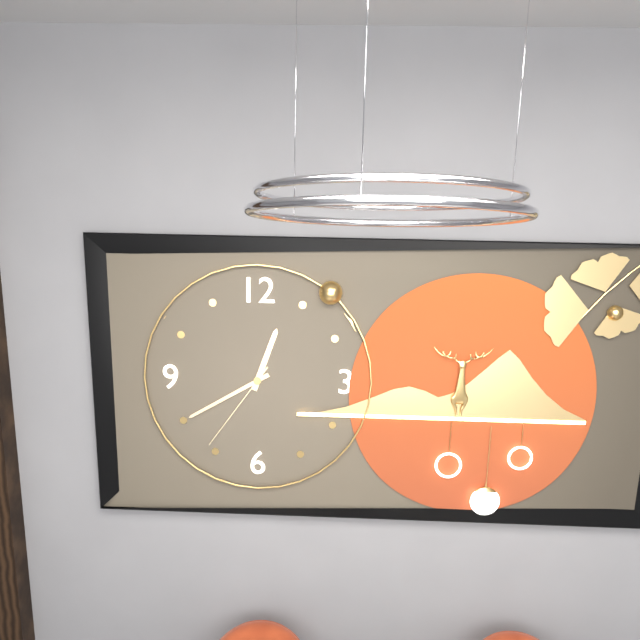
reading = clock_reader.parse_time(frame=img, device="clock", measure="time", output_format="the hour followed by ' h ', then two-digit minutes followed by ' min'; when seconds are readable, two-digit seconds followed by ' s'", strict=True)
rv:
12 h 40 min 36 s
